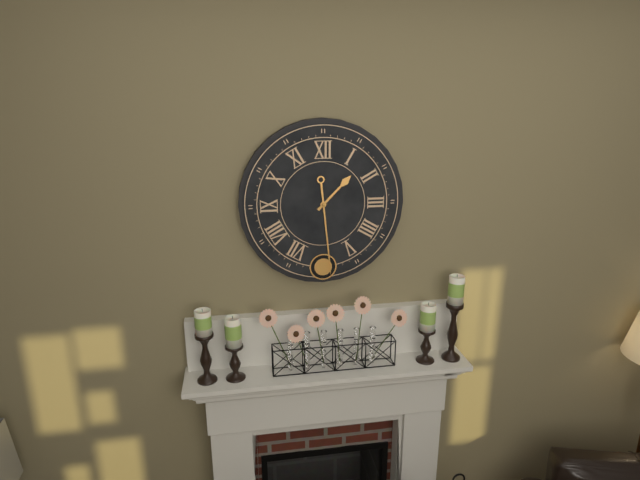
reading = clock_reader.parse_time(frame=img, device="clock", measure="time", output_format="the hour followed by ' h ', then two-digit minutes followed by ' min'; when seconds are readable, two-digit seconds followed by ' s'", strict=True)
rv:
1 h 29 min
